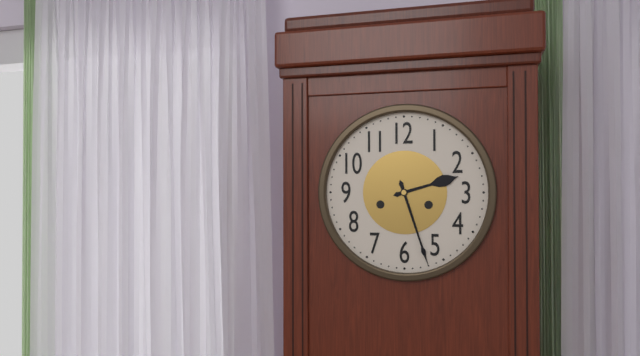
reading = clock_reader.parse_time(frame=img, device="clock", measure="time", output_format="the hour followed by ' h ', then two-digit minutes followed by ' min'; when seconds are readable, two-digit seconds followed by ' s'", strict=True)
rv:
2 h 27 min
